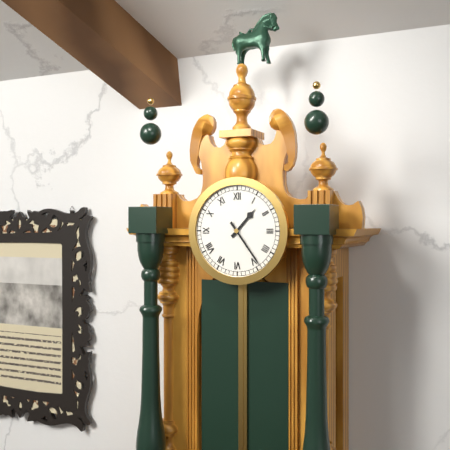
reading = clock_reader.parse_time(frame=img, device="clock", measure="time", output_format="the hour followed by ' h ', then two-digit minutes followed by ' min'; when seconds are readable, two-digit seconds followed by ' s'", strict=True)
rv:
1 h 24 min
